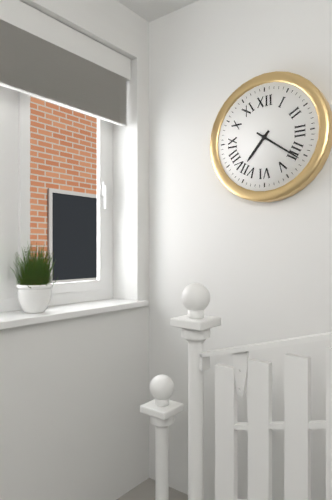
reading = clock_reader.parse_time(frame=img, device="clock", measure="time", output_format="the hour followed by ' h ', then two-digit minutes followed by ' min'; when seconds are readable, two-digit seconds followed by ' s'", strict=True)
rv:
7 h 21 min
